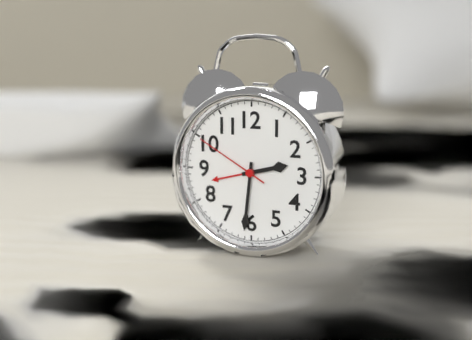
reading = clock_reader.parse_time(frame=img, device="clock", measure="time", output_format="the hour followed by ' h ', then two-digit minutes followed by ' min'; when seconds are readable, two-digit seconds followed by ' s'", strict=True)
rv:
2 h 31 min 50 s
